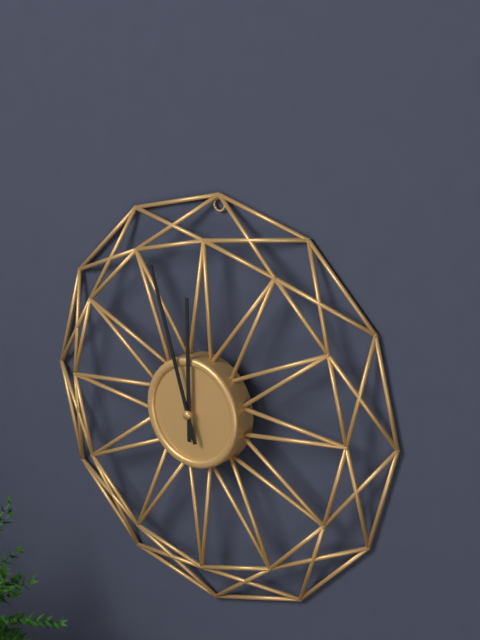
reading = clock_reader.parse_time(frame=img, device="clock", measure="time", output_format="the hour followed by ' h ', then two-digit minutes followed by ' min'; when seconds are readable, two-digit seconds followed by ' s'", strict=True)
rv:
11 h 57 min
